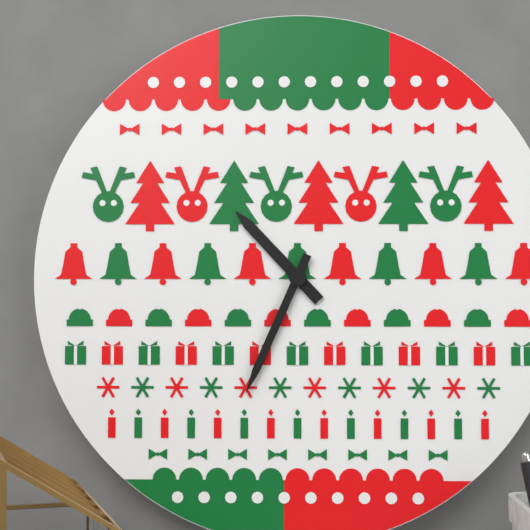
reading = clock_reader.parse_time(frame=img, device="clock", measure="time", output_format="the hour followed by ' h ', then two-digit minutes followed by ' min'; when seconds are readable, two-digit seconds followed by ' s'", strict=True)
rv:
10 h 34 min
